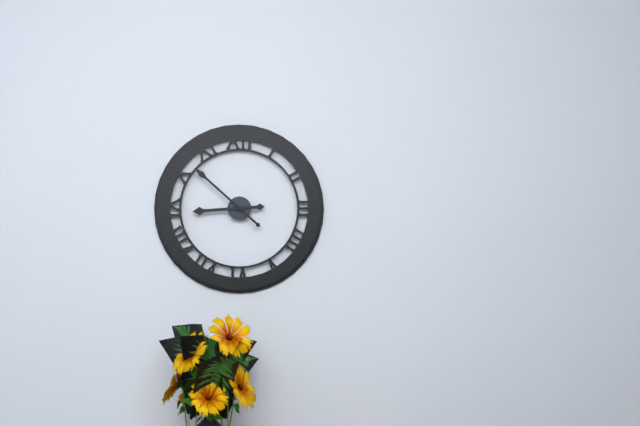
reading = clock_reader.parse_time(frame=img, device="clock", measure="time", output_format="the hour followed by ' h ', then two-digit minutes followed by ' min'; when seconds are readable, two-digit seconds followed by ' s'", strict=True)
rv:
8 h 52 min
